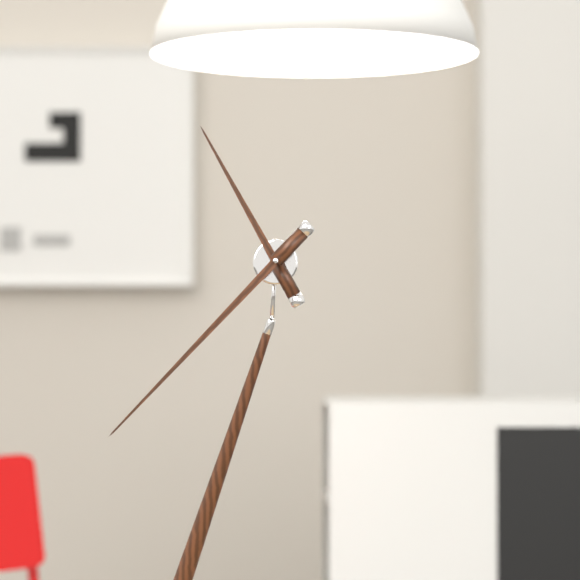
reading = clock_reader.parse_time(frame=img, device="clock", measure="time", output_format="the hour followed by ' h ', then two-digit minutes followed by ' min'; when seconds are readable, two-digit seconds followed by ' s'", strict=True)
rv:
10 h 35 min
